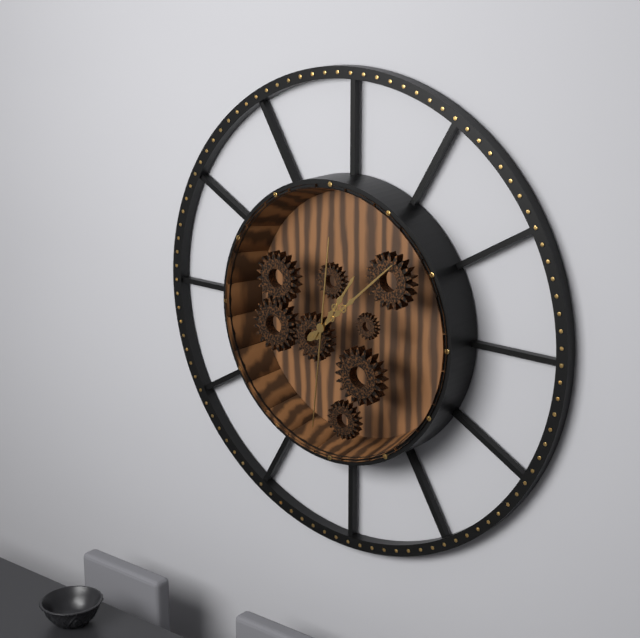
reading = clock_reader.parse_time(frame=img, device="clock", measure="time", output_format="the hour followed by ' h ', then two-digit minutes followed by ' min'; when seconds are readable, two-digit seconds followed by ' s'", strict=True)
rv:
1 h 08 min 31 s
